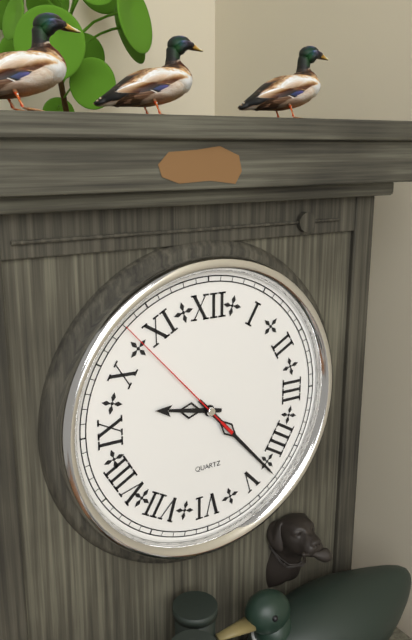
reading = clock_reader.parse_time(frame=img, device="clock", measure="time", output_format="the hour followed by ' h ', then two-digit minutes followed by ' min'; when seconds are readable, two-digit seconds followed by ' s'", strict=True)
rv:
9 h 23 min 53 s
